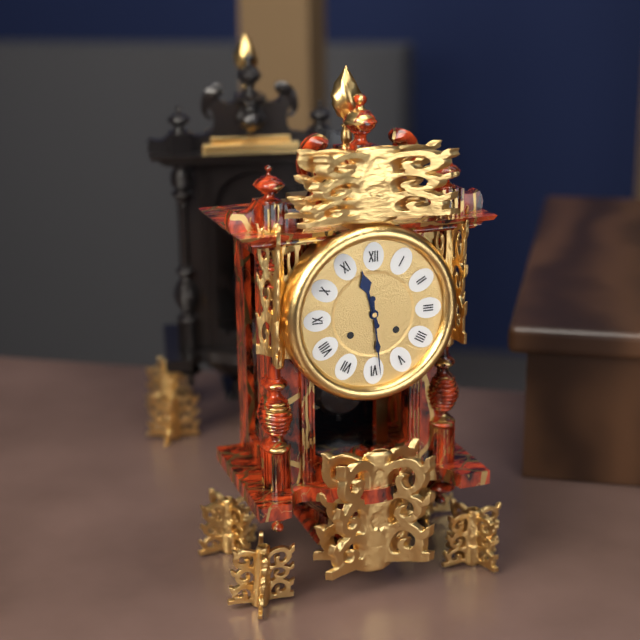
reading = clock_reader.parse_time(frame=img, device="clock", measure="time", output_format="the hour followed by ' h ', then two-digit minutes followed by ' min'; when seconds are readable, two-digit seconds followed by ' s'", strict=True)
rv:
11 h 29 min
